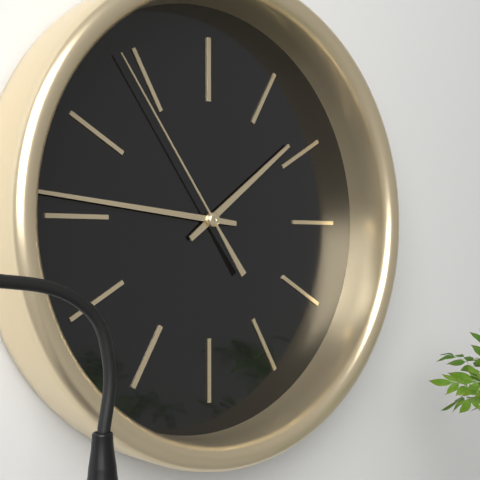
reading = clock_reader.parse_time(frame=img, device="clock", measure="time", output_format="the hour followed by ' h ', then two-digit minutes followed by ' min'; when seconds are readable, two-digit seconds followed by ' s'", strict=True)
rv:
1 h 46 min 54 s
